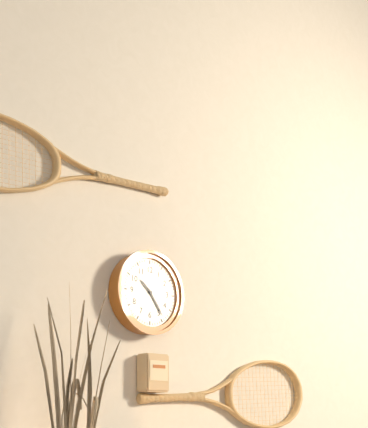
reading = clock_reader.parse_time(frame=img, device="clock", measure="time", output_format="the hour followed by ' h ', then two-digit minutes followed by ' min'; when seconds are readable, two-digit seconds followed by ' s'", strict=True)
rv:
10 h 24 min
